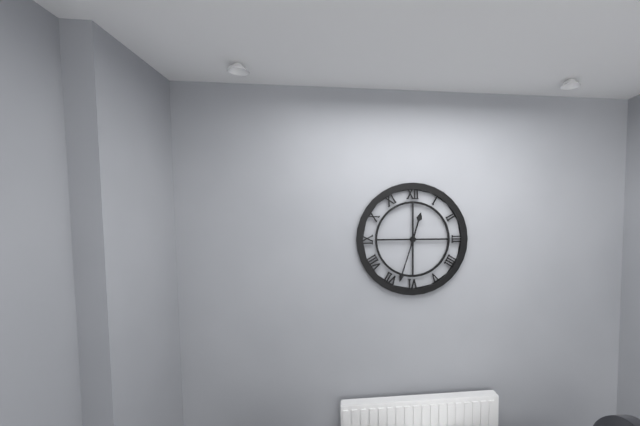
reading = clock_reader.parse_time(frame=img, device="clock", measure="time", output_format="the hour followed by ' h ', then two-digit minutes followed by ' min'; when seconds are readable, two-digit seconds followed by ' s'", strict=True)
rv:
12 h 33 min
